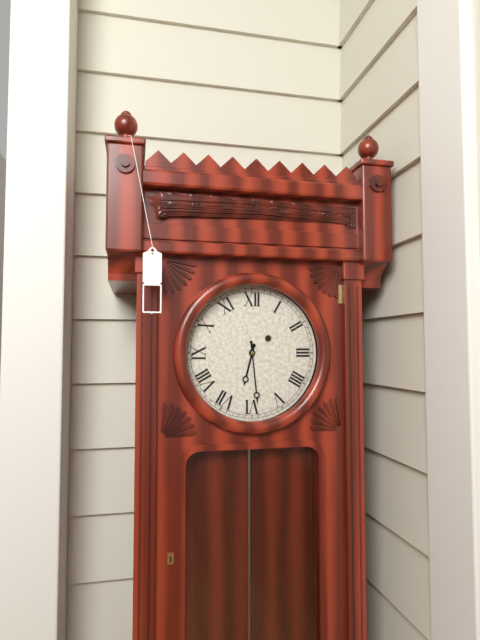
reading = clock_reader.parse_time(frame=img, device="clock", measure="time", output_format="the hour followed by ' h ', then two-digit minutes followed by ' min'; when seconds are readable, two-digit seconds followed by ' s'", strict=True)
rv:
6 h 29 min
